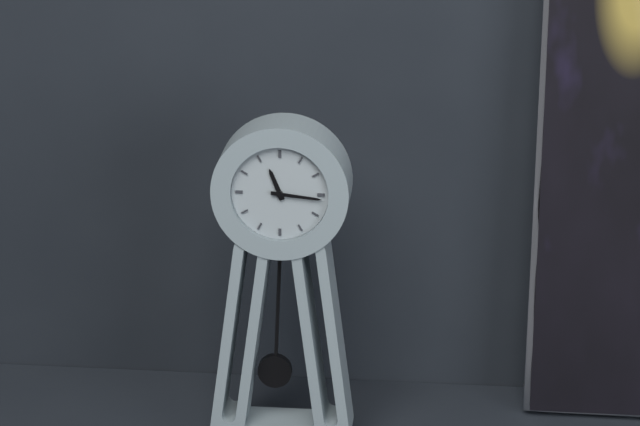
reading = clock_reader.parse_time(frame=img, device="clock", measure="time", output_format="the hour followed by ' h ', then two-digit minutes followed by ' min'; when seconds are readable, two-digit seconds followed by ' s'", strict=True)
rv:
11 h 16 min
